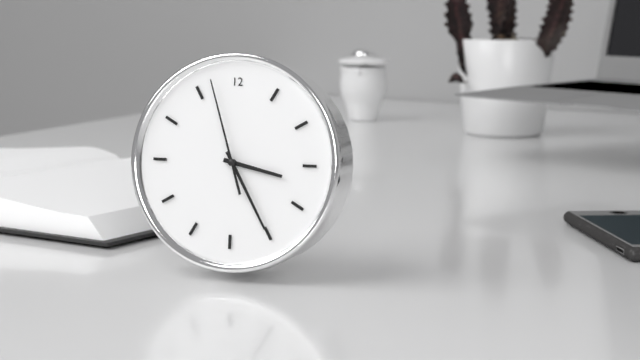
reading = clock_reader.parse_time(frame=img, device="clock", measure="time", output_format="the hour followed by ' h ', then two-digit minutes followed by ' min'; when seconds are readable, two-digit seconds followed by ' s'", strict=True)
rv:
3 h 25 min 57 s
